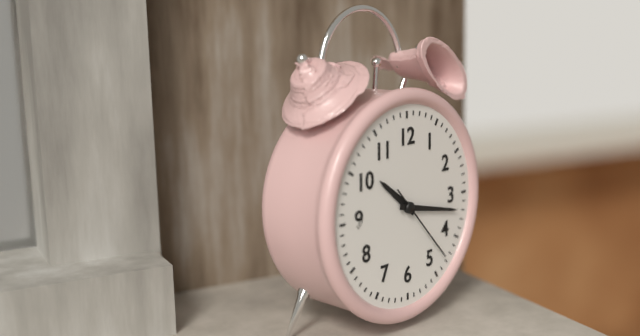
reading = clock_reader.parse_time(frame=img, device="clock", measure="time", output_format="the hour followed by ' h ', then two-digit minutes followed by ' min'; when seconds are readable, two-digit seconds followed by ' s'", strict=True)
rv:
10 h 17 min 23 s
